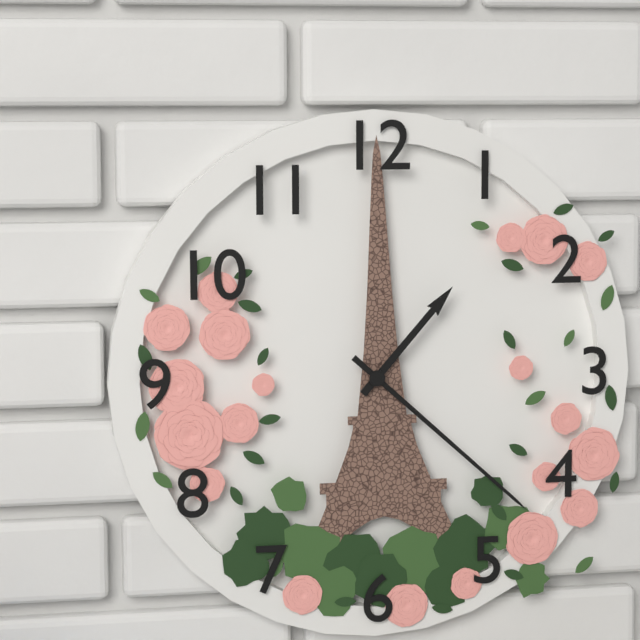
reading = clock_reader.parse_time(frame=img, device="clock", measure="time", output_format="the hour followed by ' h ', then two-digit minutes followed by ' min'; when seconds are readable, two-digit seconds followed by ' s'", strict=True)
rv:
1 h 22 min
